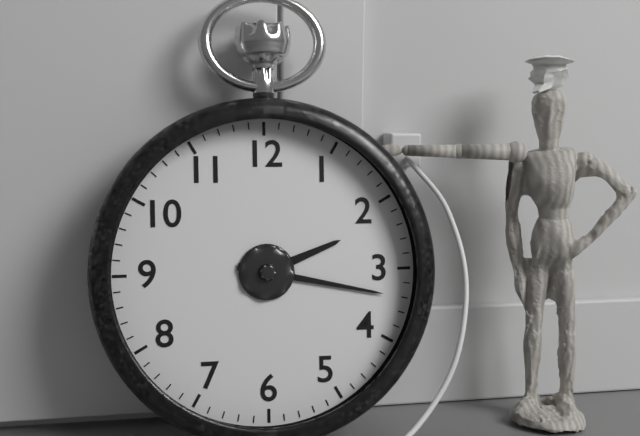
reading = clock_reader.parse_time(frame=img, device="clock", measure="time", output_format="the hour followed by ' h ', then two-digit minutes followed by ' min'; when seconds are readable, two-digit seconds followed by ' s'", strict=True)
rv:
2 h 17 min
